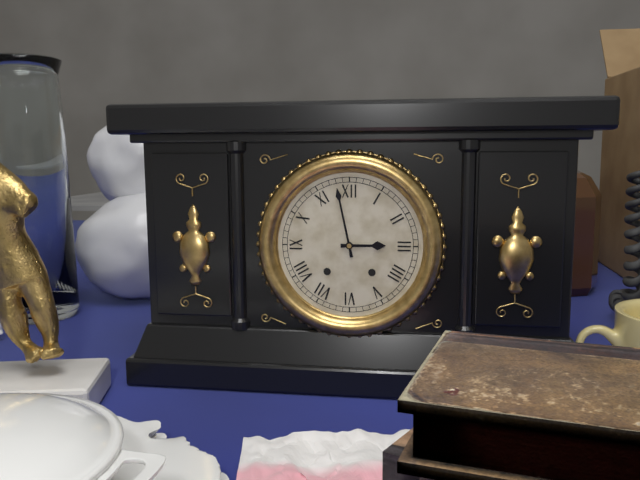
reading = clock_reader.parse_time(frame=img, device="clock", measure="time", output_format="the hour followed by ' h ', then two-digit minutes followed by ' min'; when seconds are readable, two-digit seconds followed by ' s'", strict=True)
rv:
2 h 58 min
